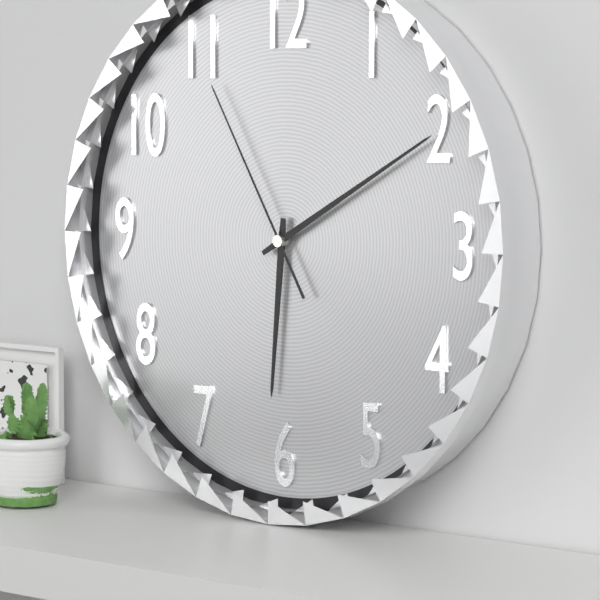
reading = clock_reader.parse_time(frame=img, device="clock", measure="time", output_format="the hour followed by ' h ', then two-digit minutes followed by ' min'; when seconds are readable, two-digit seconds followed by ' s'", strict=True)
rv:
6 h 10 min 55 s
